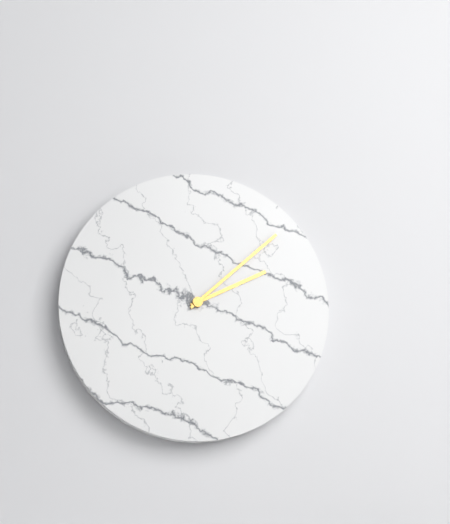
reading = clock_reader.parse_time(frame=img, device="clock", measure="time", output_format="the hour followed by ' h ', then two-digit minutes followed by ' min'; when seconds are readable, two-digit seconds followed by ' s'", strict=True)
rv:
2 h 08 min
